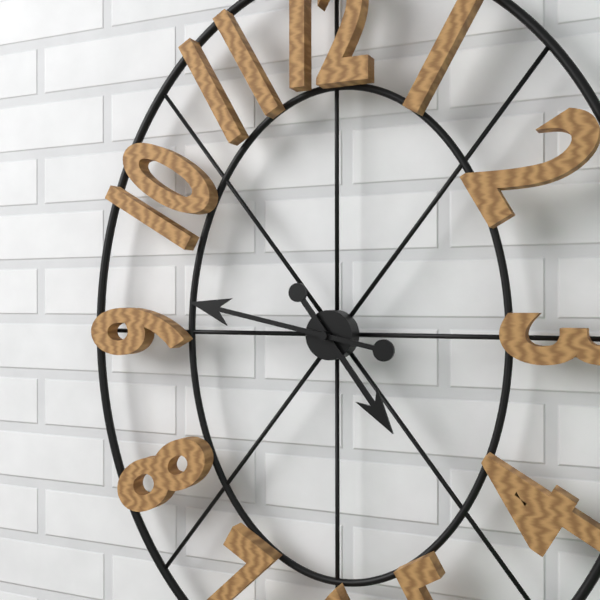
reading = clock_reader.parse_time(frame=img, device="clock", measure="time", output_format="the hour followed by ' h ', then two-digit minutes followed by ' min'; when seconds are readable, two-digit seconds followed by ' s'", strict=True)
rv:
4 h 47 min
